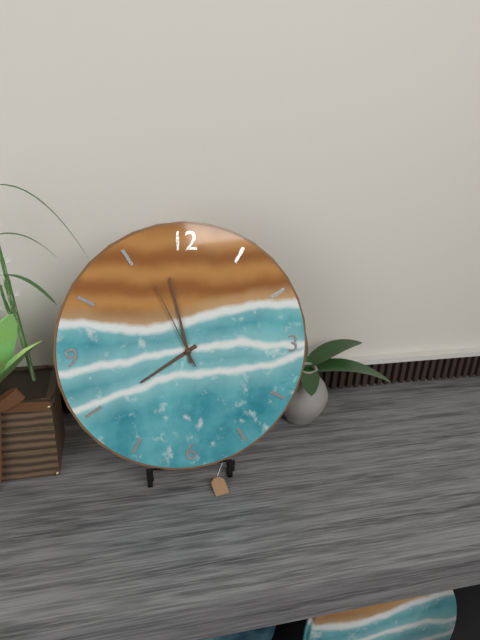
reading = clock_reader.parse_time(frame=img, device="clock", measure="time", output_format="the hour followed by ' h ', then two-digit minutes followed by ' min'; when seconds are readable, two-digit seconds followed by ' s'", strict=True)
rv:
7 h 58 min 56 s
